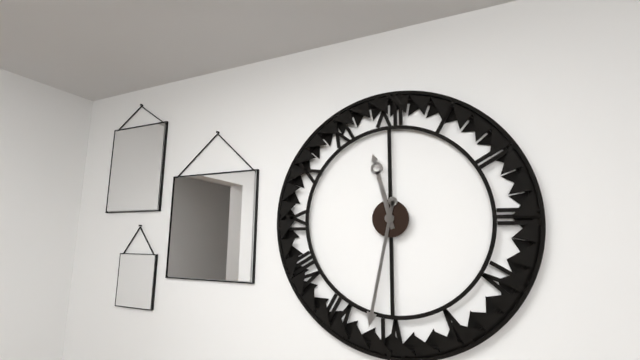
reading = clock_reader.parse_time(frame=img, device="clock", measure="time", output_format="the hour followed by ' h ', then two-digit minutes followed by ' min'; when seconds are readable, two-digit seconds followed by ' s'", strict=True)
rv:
11 h 32 min
